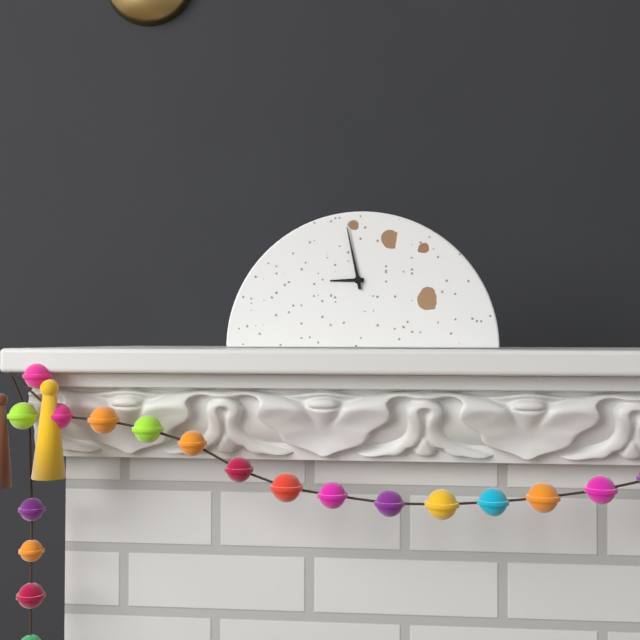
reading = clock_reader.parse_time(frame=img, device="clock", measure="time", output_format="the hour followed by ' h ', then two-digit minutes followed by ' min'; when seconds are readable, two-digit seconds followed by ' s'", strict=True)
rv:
8 h 58 min
